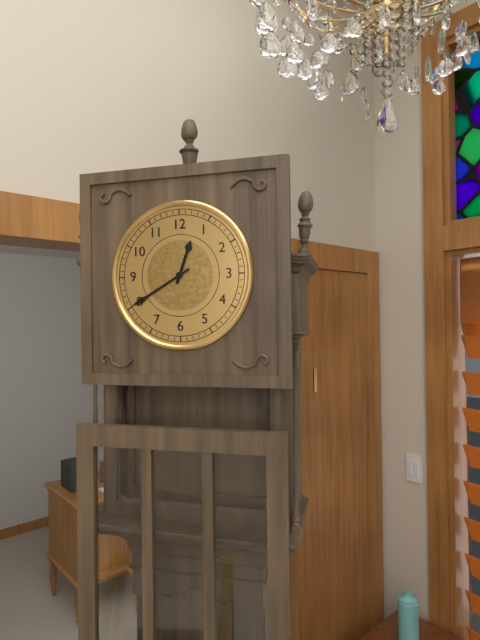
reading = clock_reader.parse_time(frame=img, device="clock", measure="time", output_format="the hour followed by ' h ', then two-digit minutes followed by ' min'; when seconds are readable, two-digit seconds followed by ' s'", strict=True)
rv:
12 h 40 min
